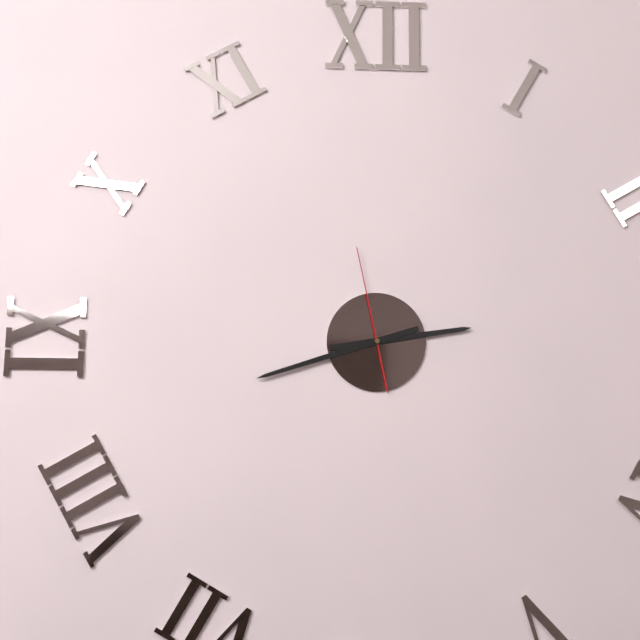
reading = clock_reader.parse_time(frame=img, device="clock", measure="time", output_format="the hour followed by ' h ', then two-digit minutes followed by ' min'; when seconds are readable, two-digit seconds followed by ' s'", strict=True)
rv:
2 h 42 min 58 s
